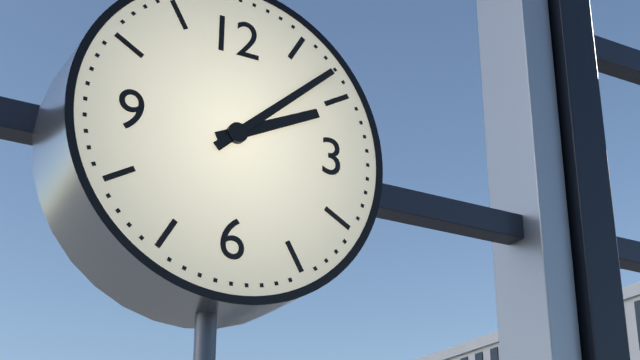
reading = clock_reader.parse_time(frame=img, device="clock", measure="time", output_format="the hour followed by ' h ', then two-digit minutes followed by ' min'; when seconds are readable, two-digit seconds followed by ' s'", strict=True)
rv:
2 h 08 min
